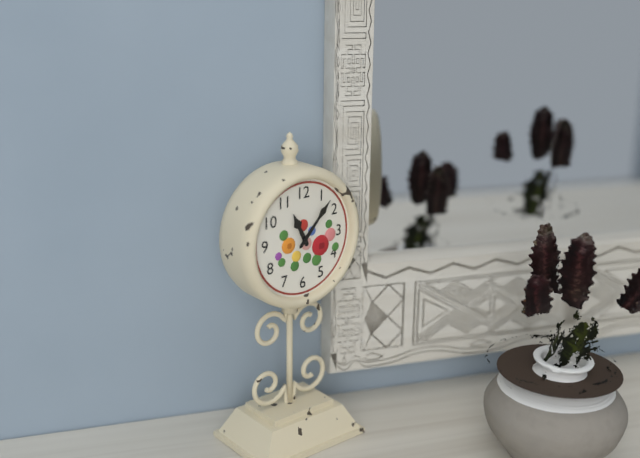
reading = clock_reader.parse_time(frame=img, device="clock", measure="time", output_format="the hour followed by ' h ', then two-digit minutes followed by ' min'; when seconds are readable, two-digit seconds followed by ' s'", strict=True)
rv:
11 h 07 min
